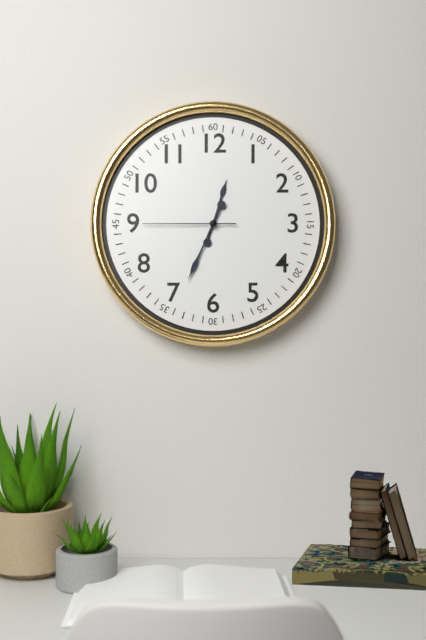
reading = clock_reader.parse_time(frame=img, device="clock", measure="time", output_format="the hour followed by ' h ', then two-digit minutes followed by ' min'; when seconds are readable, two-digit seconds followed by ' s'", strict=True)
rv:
12 h 34 min 45 s
